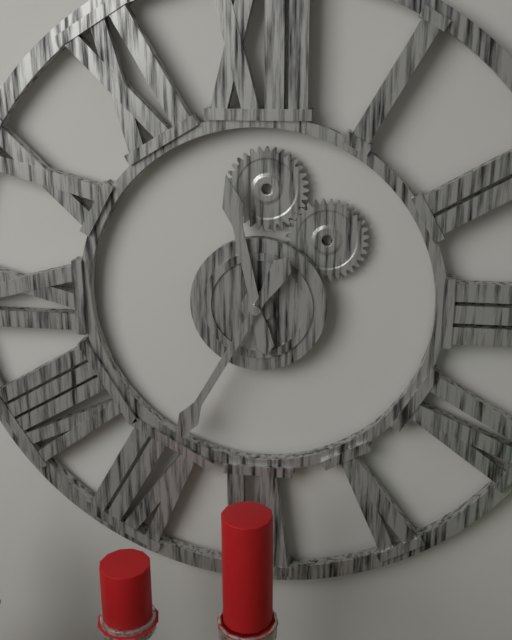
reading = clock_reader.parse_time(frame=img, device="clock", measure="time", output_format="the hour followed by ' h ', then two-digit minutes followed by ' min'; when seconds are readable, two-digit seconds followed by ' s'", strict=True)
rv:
11 h 35 min
